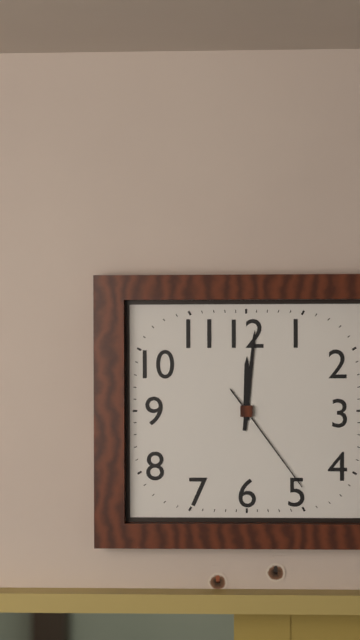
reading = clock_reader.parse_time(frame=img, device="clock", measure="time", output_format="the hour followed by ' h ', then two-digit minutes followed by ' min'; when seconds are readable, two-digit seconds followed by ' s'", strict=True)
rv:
12 h 01 min 24 s
